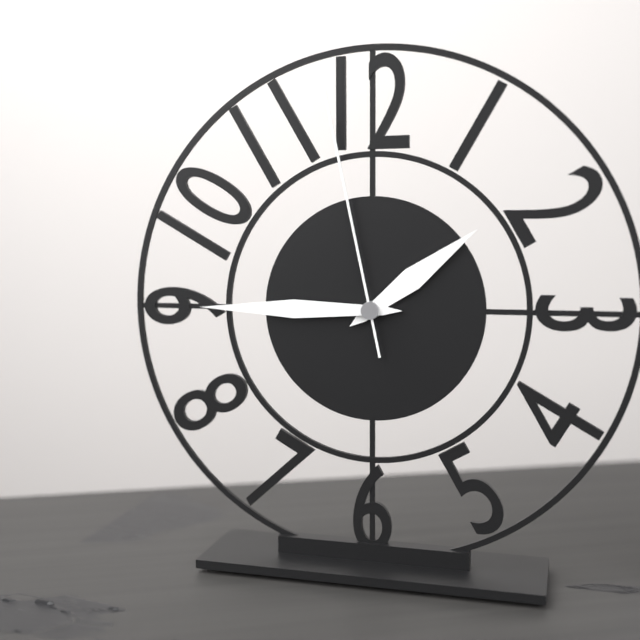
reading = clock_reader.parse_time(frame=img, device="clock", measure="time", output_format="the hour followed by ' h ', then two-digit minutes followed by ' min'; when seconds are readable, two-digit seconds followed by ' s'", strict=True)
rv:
1 h 45 min 58 s
